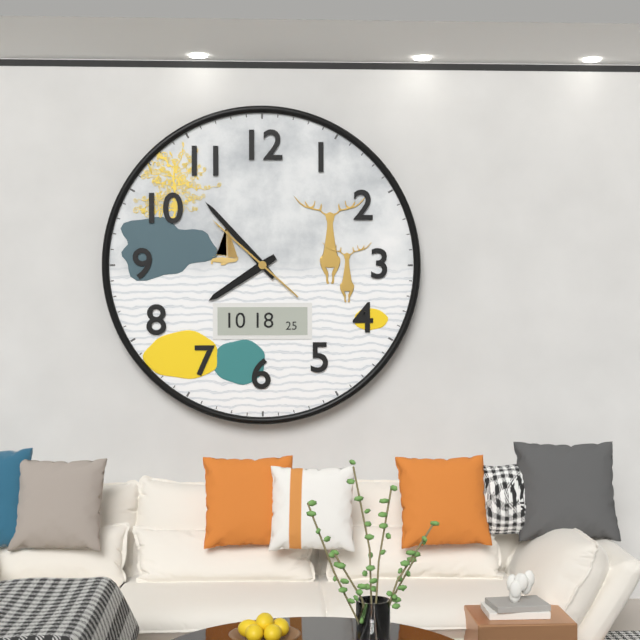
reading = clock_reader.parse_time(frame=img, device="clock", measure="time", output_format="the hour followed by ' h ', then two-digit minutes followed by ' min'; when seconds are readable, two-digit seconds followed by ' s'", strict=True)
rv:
7 h 53 min 52 s
